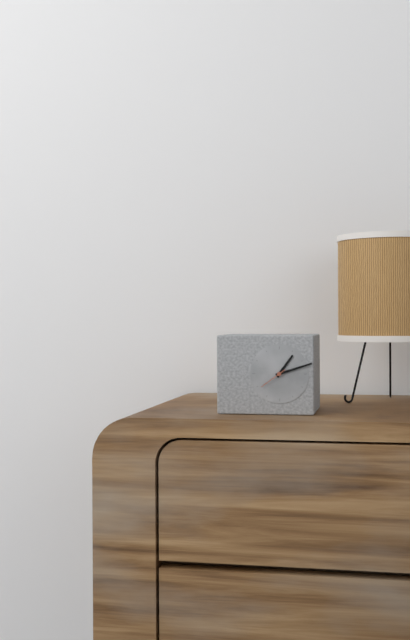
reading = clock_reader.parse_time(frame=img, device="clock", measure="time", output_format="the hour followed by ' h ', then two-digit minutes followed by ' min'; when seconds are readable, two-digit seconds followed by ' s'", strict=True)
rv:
1 h 12 min
